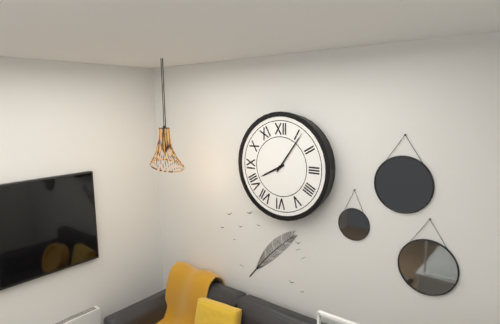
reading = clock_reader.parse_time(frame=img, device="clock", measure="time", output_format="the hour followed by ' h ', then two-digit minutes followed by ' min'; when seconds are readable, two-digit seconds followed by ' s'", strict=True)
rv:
8 h 06 min
